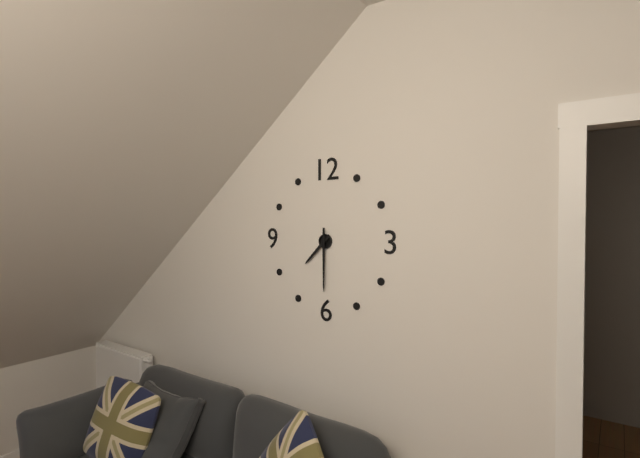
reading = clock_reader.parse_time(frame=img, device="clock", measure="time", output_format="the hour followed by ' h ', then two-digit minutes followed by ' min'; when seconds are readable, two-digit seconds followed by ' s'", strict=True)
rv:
7 h 30 min
